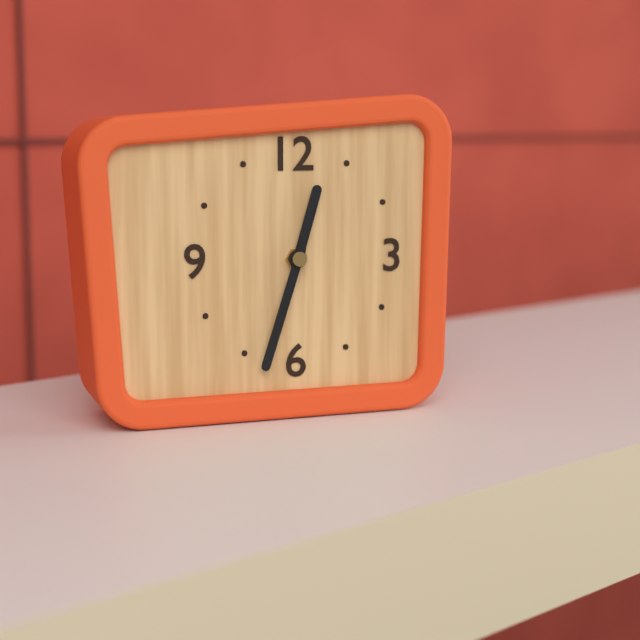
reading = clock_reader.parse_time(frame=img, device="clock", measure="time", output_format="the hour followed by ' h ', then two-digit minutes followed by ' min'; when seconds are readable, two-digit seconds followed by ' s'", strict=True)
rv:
12 h 33 min
